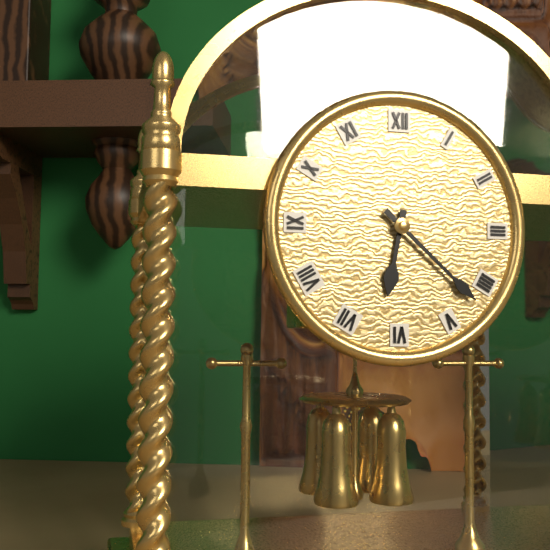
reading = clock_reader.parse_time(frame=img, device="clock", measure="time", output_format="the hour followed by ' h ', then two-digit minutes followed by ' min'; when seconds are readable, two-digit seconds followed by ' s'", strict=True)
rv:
6 h 22 min
